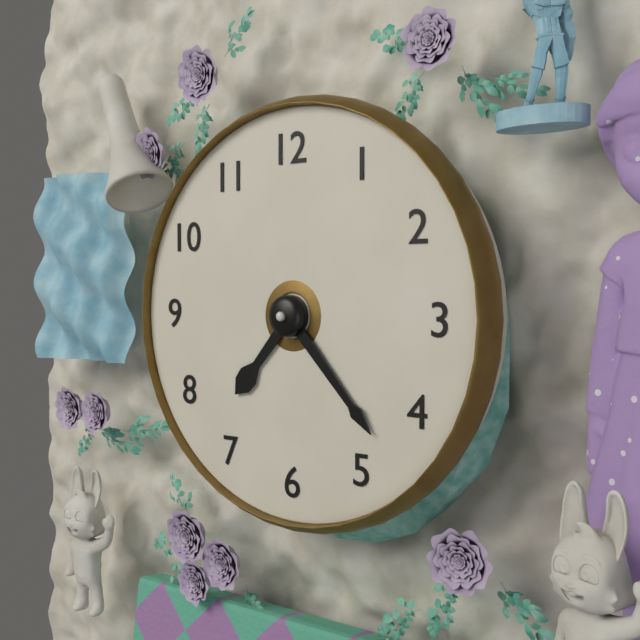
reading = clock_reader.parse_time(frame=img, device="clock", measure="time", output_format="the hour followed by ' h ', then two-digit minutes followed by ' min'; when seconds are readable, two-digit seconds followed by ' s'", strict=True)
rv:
7 h 23 min
